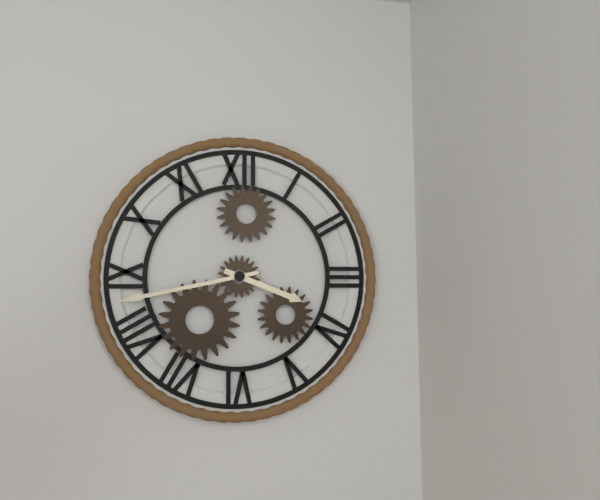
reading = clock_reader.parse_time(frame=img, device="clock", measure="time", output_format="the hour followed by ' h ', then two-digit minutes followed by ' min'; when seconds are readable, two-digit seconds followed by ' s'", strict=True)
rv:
3 h 43 min
